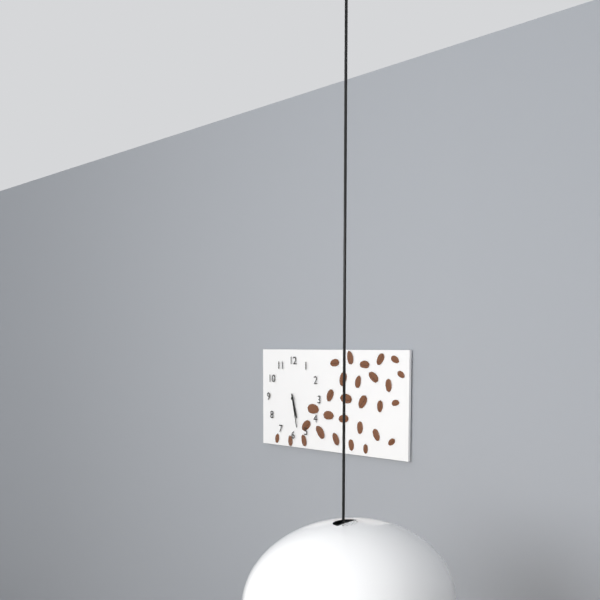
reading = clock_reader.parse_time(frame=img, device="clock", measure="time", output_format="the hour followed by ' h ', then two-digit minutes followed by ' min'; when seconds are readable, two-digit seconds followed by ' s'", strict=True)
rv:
5 h 28 min
